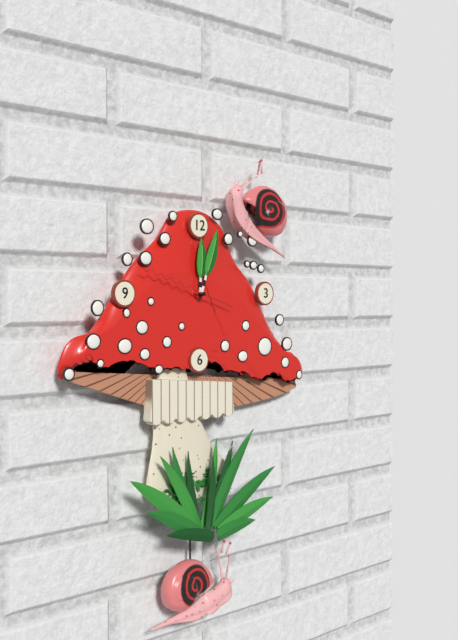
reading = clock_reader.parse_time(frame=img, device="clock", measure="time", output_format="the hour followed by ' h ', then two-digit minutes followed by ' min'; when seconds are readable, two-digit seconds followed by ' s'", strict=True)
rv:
12 h 03 min 48 s
